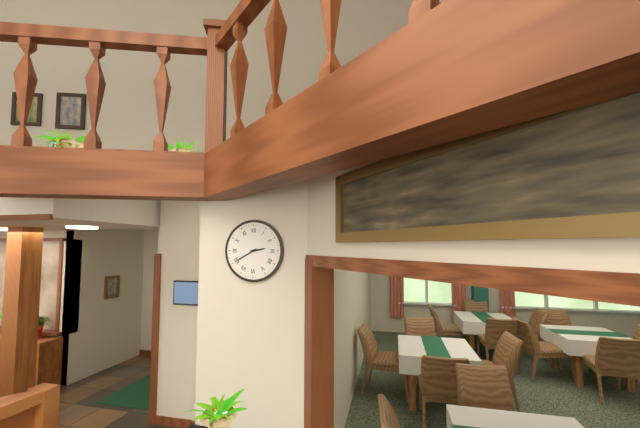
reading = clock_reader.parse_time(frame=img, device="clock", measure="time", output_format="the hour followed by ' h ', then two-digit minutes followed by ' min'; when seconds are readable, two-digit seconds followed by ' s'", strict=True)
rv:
2 h 40 min
